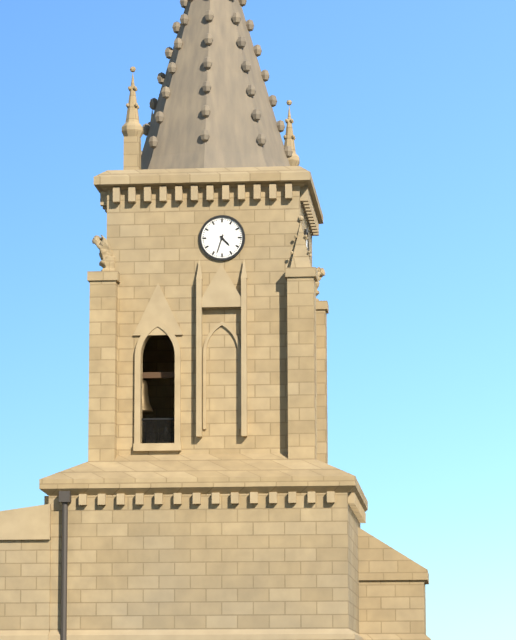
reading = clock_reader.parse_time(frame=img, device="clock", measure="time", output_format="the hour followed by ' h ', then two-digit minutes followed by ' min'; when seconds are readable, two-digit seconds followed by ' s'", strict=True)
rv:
4 h 33 min
